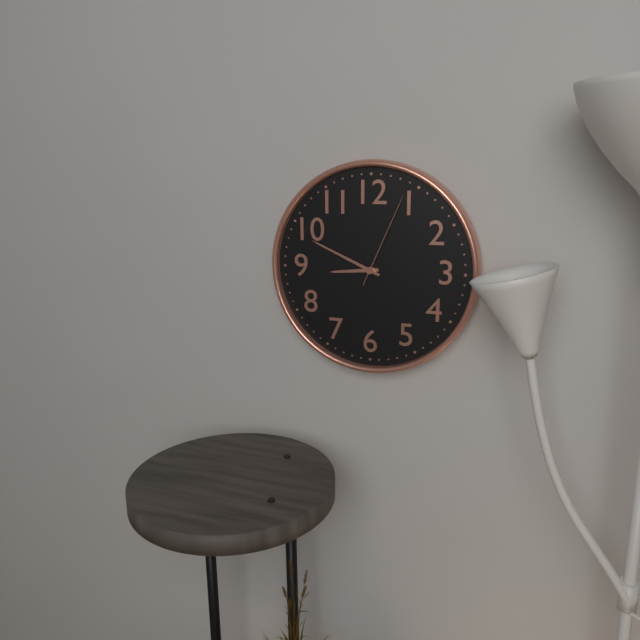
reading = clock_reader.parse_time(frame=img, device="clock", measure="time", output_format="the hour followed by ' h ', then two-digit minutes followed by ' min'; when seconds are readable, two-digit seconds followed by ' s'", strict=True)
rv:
8 h 49 min 04 s
